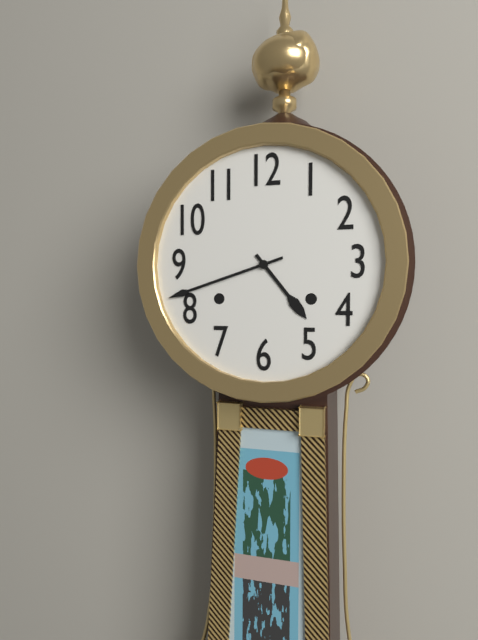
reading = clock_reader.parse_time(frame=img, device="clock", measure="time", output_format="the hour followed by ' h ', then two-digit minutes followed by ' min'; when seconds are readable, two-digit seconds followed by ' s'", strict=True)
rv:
4 h 42 min
